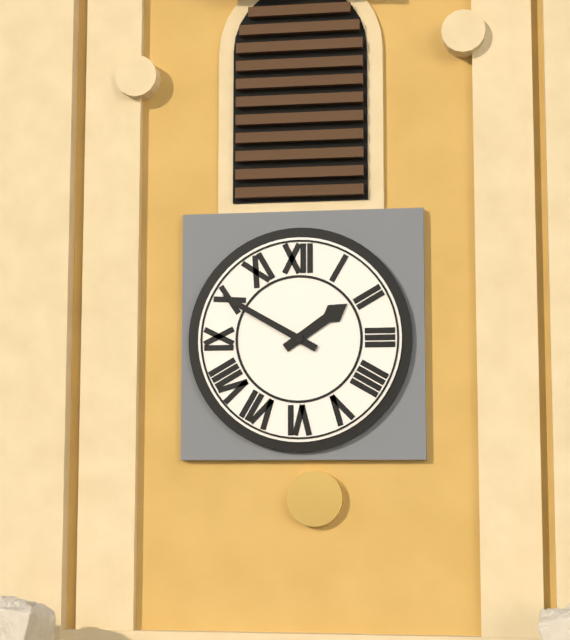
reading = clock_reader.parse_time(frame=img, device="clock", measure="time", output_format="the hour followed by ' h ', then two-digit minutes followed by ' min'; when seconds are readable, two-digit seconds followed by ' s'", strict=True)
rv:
1 h 50 min
